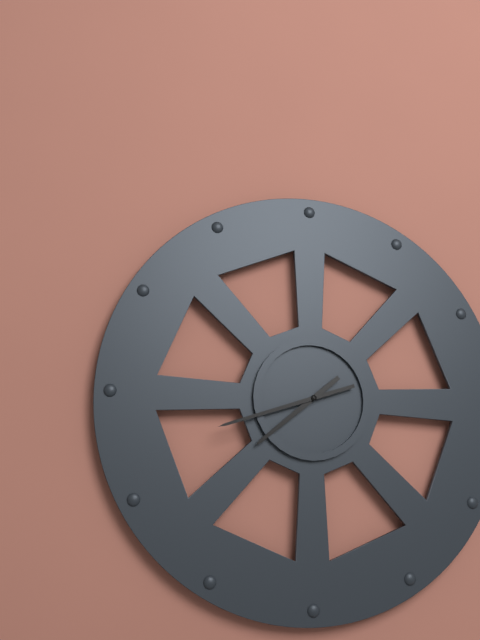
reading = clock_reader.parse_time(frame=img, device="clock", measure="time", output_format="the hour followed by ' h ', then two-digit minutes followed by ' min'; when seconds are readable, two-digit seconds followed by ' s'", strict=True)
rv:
7 h 42 min
